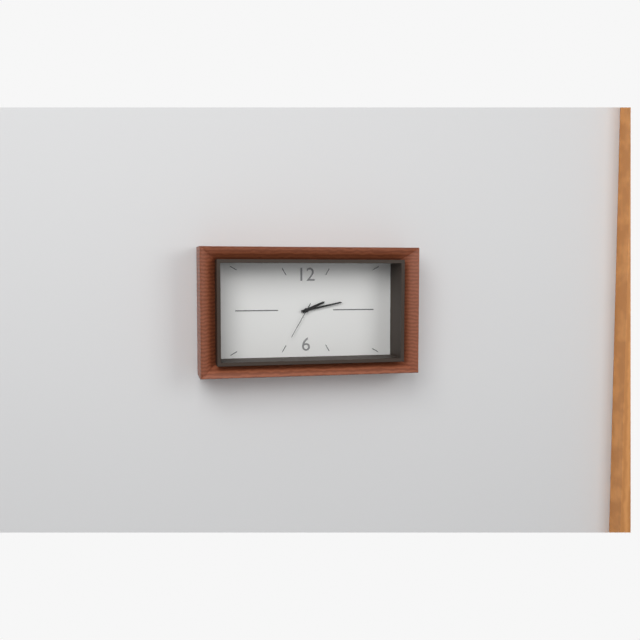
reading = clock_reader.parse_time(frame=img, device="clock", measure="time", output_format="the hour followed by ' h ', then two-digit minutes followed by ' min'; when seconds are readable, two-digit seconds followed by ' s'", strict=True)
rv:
2 h 13 min
